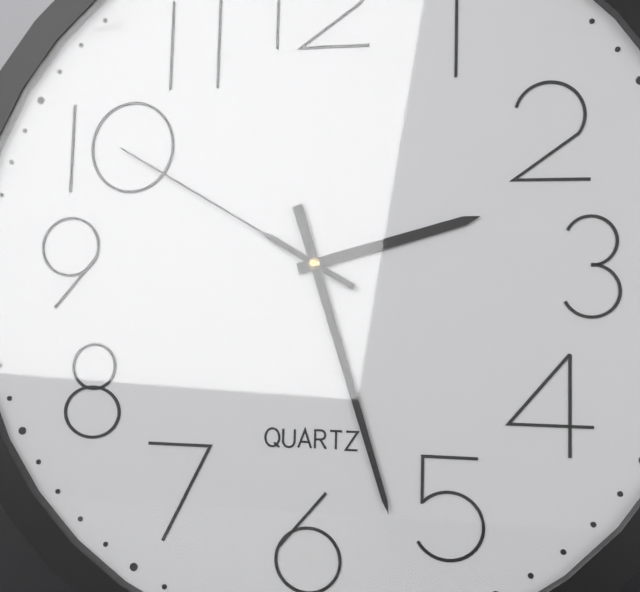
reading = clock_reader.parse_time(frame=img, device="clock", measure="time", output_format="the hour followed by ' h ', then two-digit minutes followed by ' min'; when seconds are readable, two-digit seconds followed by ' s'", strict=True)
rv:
2 h 27 min 50 s
